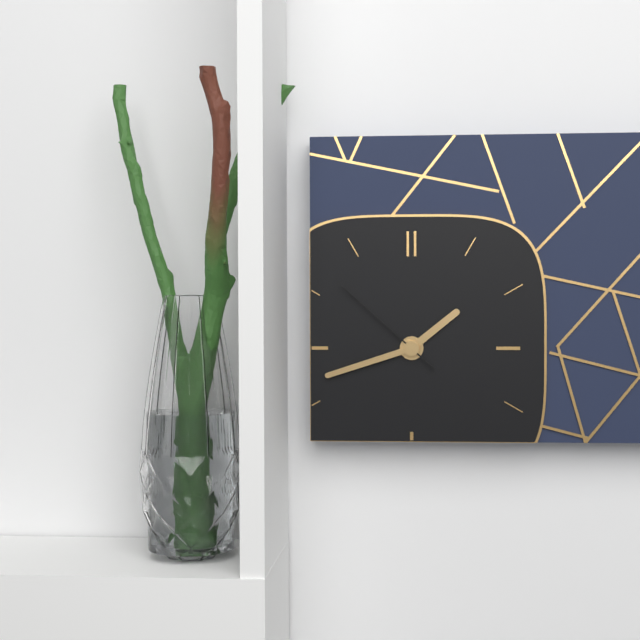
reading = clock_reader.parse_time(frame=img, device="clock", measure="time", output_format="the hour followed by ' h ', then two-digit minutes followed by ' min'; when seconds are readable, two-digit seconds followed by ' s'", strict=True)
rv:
1 h 42 min 52 s
